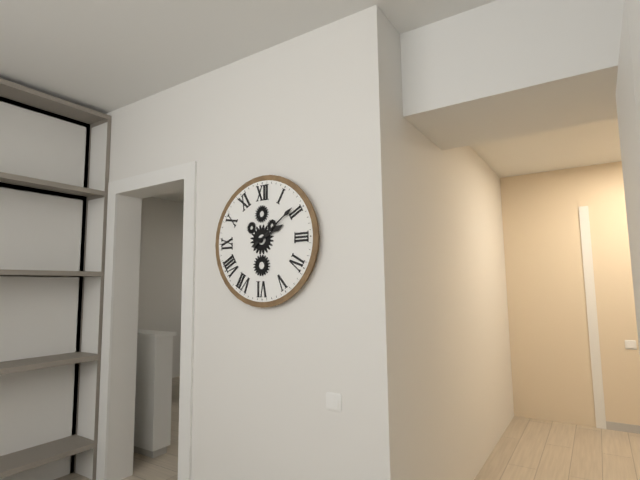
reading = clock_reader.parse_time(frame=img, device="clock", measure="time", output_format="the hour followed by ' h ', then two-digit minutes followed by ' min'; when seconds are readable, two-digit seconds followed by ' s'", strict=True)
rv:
2 h 09 min
